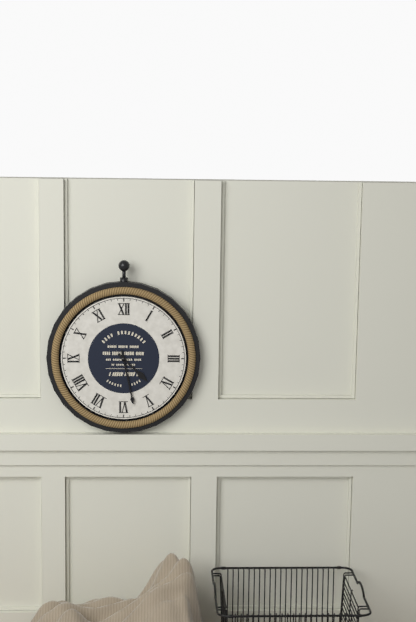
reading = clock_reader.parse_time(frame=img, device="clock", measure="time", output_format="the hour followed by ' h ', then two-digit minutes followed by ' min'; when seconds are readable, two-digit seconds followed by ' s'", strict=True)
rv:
4 h 28 min
